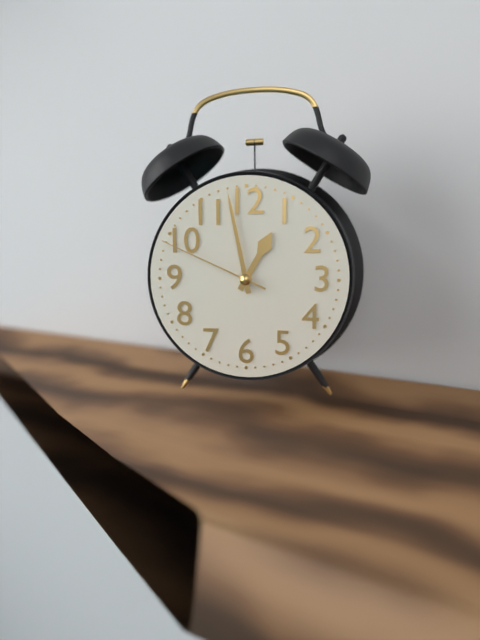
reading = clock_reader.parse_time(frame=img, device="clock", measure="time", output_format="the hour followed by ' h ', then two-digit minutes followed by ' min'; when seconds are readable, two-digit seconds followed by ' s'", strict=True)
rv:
12 h 58 min 49 s
